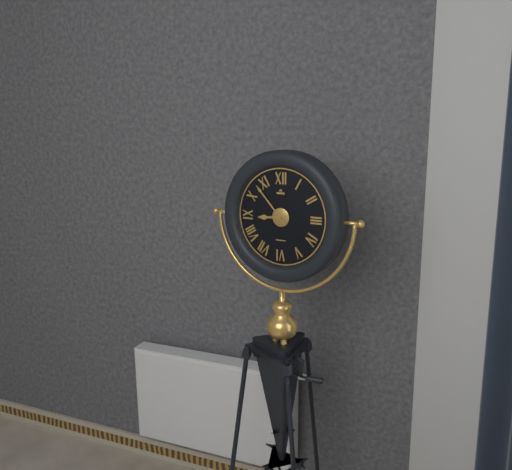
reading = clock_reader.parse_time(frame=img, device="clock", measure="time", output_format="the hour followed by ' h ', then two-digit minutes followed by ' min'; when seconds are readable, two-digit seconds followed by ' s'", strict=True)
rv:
8 h 53 min
